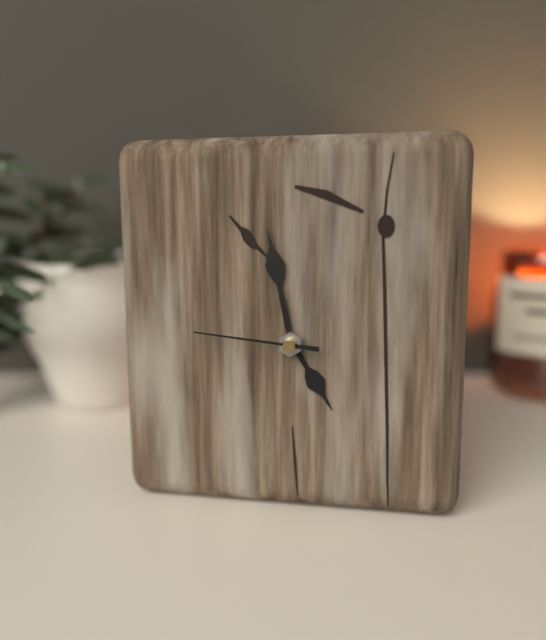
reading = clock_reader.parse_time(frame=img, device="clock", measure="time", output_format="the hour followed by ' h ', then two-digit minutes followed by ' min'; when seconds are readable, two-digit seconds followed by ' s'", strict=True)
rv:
4 h 58 min 46 s
